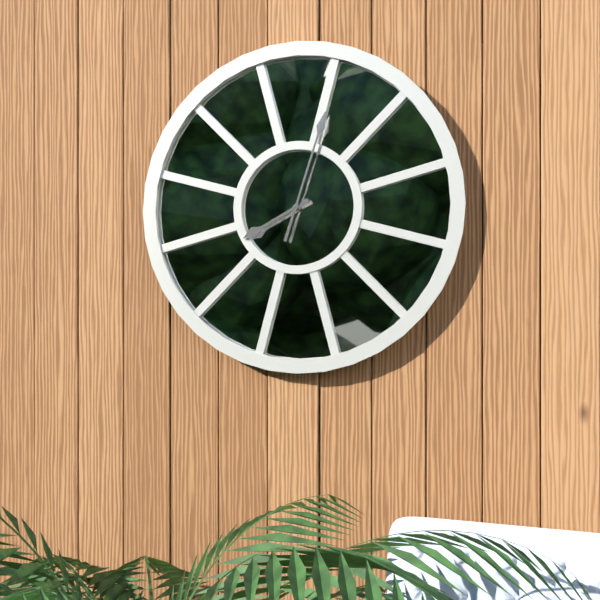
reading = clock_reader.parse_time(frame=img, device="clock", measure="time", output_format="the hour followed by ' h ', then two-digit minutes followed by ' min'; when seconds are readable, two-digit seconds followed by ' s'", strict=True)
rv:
8 h 03 min
